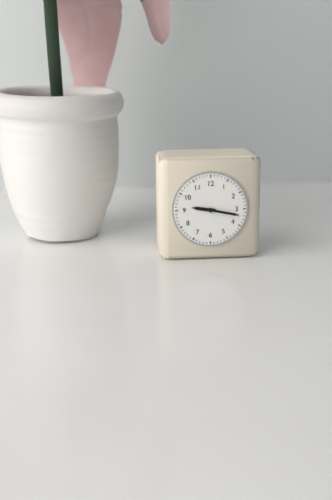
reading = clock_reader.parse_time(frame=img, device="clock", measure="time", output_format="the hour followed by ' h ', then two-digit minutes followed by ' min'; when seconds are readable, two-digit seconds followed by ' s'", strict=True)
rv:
9 h 17 min
